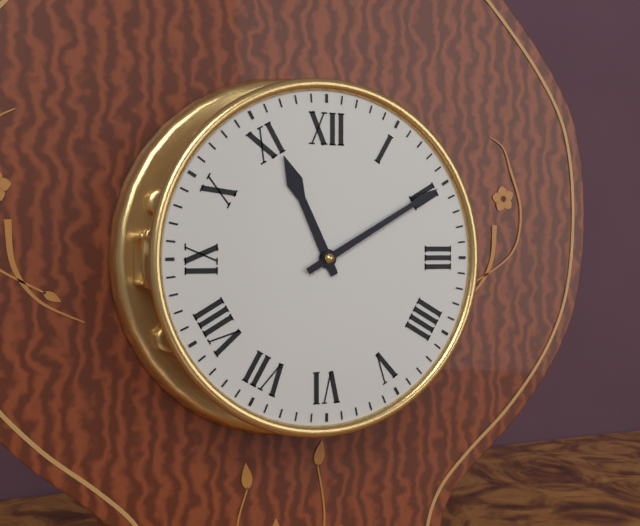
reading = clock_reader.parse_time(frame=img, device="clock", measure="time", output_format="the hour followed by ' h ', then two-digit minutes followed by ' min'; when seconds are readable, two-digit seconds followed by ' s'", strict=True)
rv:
11 h 10 min
